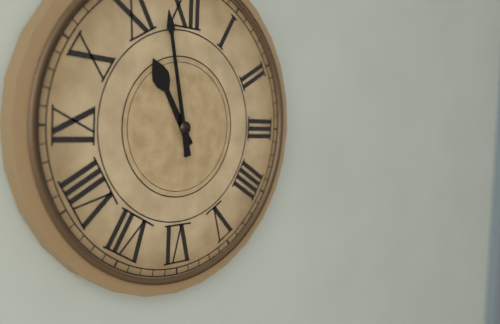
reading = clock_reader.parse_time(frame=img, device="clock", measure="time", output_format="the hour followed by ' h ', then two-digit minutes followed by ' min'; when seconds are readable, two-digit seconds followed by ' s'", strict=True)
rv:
10 h 58 min
